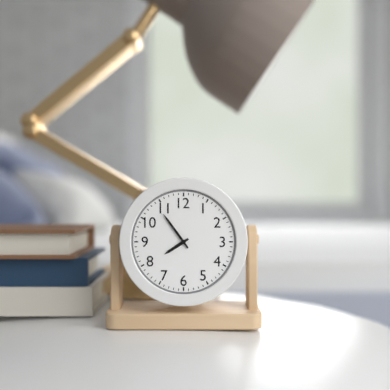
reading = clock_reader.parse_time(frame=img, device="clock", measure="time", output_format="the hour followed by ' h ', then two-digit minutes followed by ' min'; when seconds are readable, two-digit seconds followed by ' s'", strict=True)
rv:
7 h 54 min
